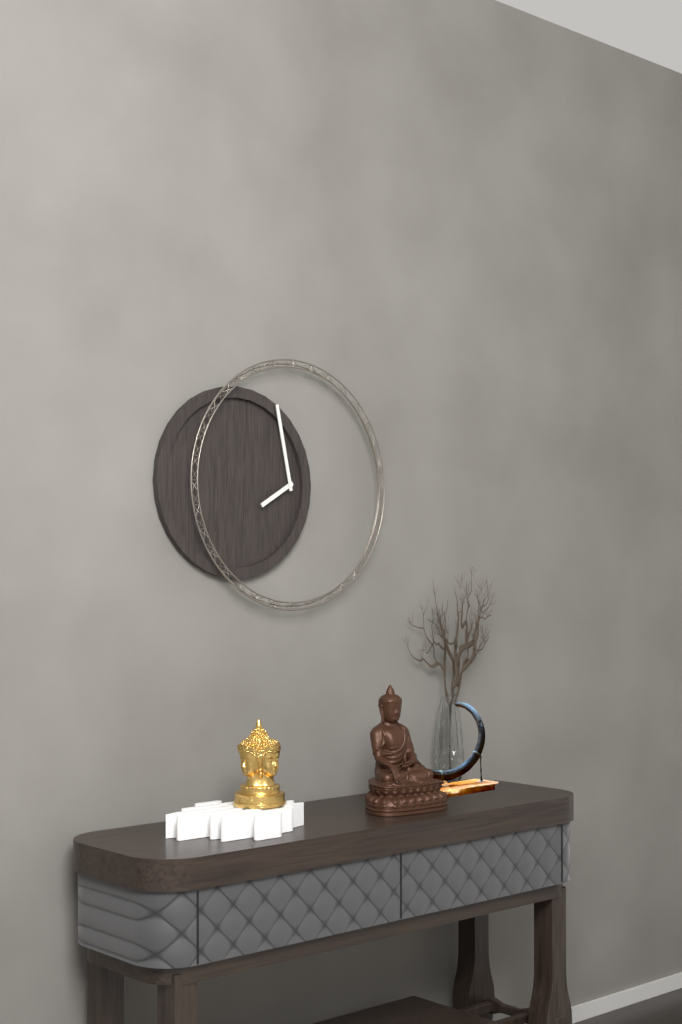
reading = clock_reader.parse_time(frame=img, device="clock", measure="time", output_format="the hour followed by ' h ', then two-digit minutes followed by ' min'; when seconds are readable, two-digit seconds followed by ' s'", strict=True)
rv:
7 h 58 min
